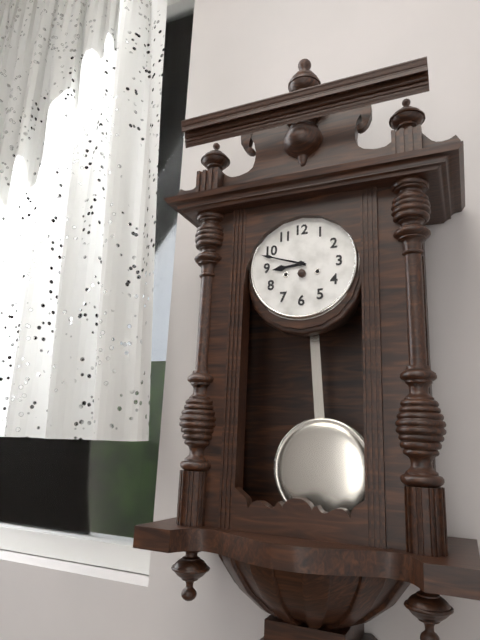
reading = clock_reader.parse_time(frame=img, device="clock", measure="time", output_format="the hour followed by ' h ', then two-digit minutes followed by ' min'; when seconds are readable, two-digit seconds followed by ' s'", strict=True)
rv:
8 h 48 min
